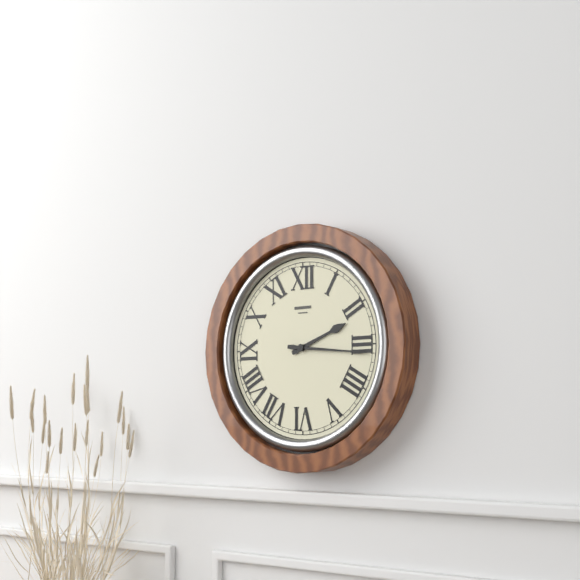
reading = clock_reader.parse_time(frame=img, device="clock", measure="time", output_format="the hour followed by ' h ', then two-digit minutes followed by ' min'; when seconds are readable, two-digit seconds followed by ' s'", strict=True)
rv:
2 h 16 min
